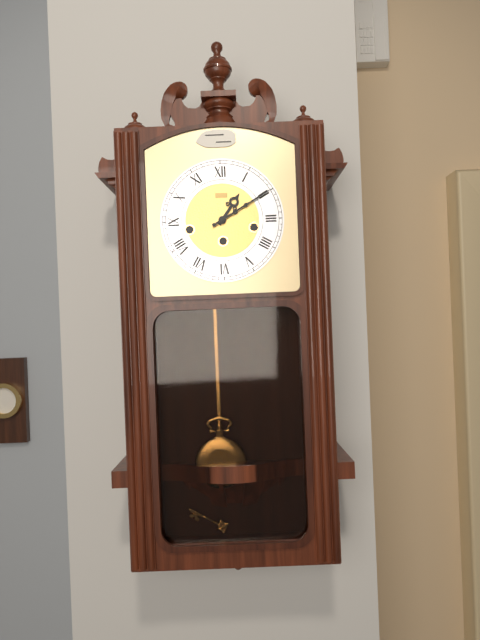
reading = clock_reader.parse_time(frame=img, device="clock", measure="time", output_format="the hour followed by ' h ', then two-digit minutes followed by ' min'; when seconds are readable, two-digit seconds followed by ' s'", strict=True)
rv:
1 h 10 min
